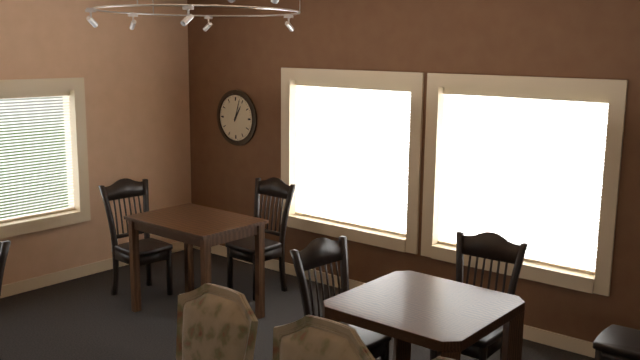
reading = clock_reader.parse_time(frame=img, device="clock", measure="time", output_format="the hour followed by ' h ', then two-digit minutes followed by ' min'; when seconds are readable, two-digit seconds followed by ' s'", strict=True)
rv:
1 h 03 min
